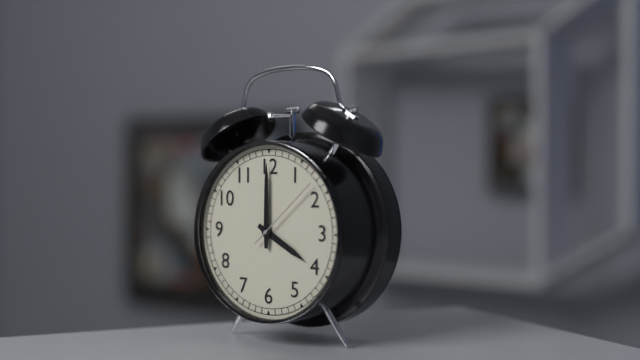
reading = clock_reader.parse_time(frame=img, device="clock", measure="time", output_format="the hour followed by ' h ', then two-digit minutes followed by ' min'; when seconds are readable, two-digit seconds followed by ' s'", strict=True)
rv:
4 h 00 min 08 s
